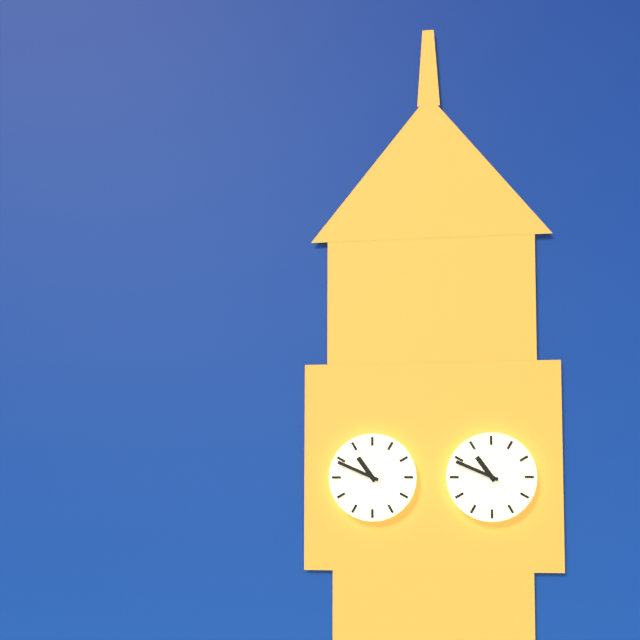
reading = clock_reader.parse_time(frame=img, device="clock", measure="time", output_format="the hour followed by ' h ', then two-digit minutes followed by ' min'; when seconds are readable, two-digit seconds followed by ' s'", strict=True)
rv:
10 h 49 min
